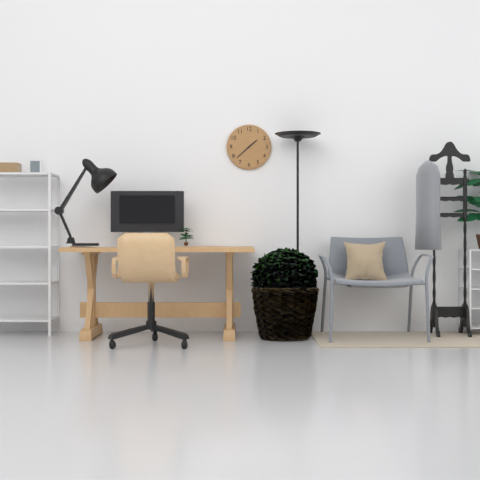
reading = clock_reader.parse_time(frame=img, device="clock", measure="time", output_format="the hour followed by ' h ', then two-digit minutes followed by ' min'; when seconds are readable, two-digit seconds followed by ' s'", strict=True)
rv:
1 h 38 min
